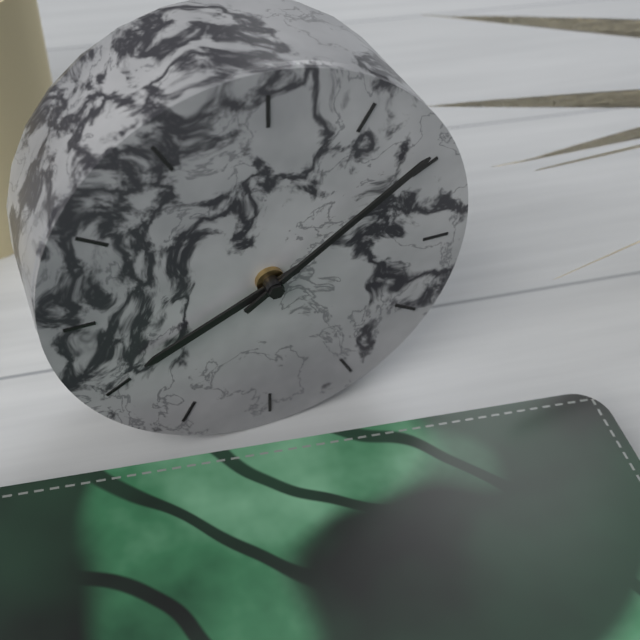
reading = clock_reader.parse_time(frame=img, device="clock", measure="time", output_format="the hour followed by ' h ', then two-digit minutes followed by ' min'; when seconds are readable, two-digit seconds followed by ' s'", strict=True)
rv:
8 h 09 min
